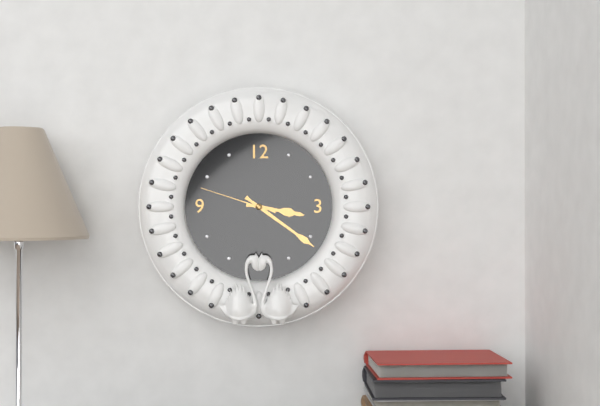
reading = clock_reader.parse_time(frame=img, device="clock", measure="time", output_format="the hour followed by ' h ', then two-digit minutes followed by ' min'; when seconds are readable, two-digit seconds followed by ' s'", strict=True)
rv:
3 h 21 min 48 s
